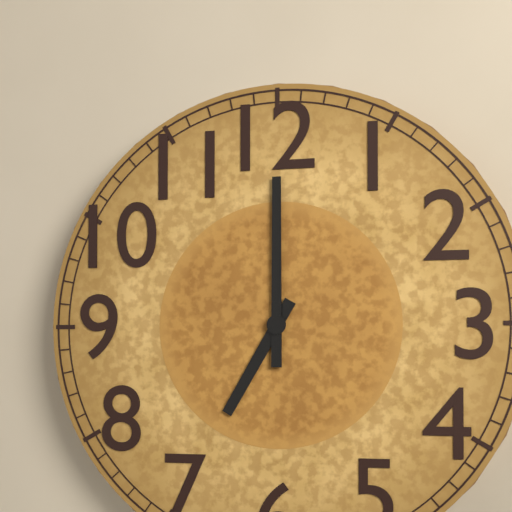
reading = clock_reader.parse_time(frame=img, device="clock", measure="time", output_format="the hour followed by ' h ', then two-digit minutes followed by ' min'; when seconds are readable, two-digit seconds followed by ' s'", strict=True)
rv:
7 h 00 min
